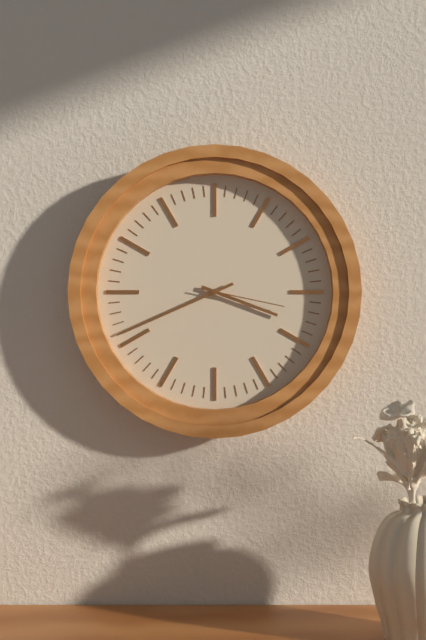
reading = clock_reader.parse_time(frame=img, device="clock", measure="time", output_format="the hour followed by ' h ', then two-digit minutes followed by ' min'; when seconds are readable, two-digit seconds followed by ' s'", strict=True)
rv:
3 h 41 min 17 s
